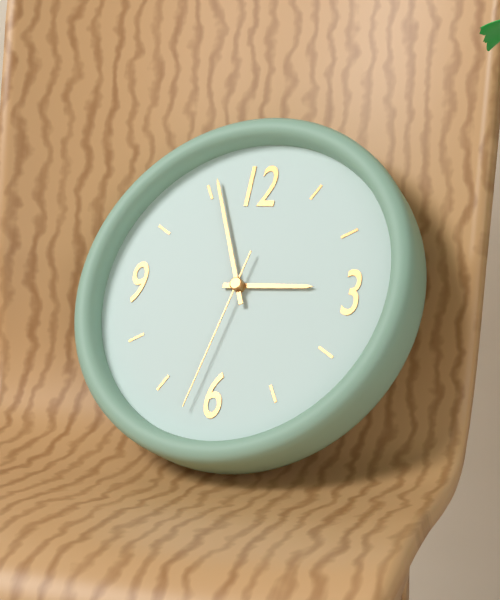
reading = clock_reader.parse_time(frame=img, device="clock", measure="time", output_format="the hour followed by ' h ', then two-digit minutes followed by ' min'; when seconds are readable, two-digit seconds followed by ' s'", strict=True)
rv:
2 h 56 min 32 s
